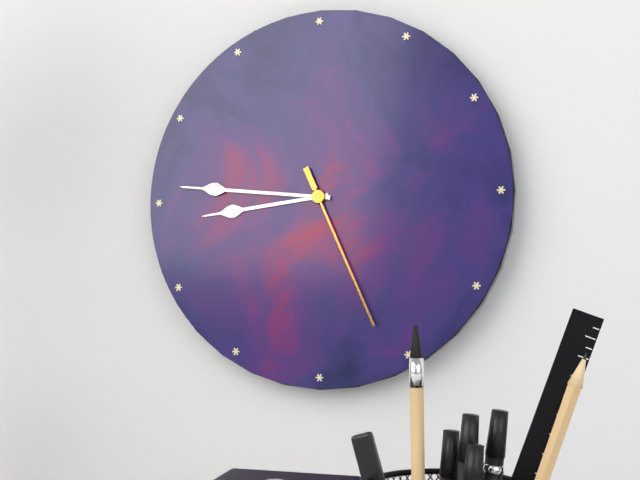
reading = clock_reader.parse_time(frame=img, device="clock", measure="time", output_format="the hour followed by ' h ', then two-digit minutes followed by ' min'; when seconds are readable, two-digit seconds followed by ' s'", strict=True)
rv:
8 h 46 min 26 s
